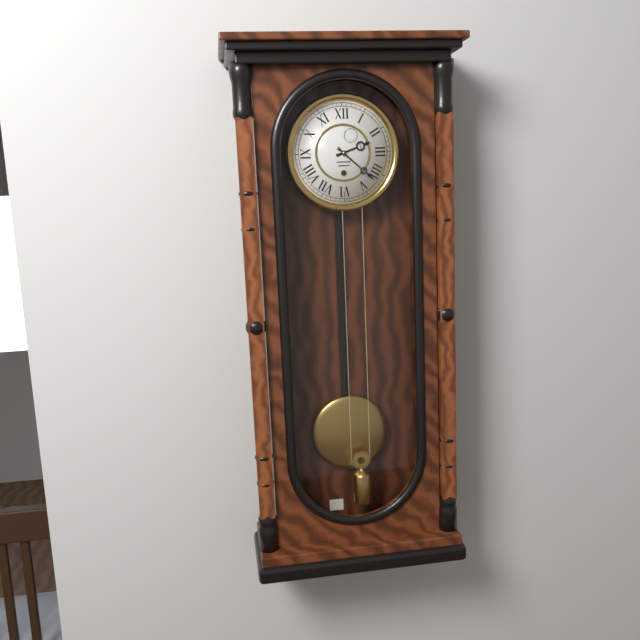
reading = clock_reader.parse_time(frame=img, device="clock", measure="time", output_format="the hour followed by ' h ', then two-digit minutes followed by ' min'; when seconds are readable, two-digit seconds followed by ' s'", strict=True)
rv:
2 h 22 min
